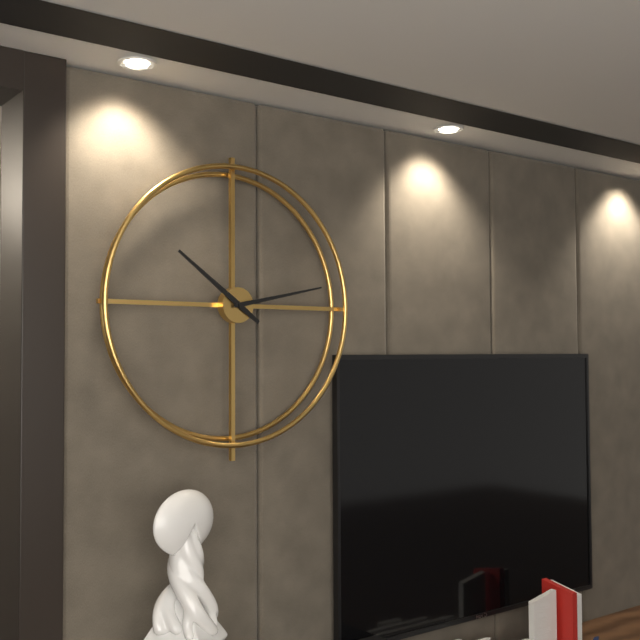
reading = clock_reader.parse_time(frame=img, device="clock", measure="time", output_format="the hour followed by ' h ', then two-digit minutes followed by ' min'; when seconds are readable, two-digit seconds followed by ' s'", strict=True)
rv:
10 h 13 min
